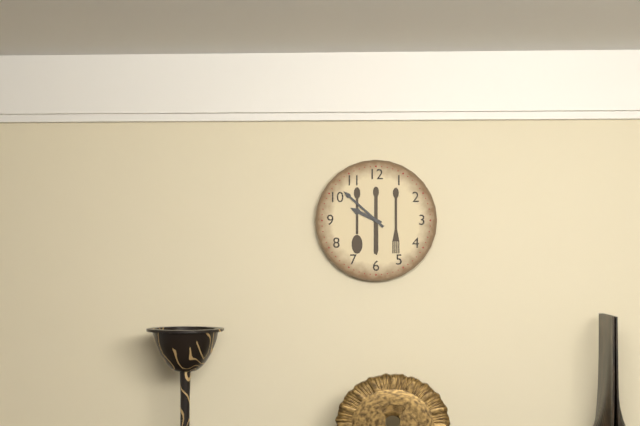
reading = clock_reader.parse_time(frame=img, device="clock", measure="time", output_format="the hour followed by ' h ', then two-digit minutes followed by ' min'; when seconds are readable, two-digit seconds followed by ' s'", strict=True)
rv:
9 h 52 min
